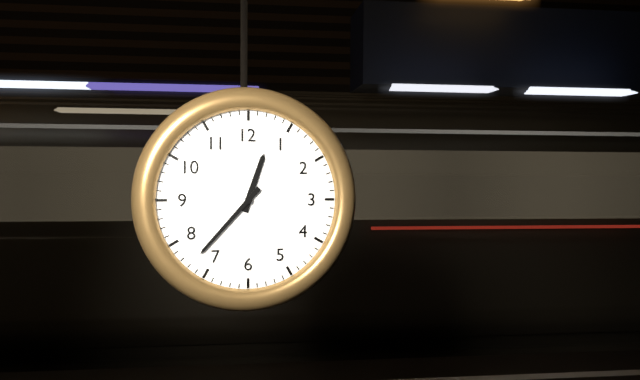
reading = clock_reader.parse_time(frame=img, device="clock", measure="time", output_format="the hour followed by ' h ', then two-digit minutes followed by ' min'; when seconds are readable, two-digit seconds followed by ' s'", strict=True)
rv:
12 h 37 min
